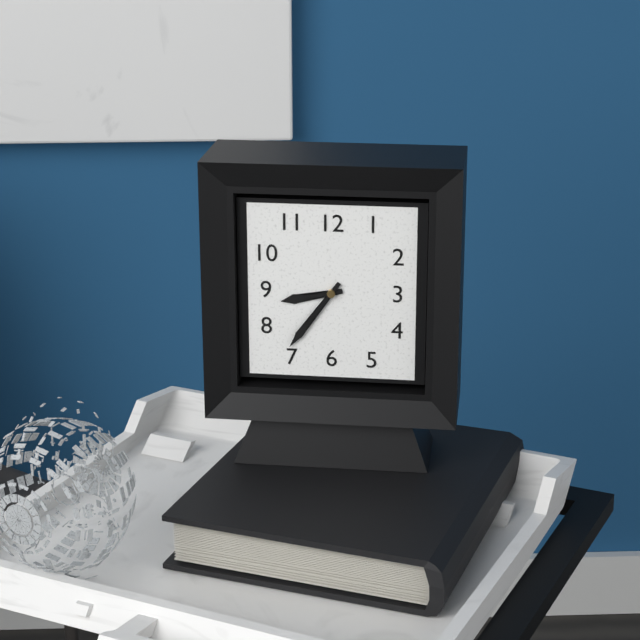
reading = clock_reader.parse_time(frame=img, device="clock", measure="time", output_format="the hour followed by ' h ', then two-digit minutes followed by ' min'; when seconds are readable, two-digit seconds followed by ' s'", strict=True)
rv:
8 h 36 min
